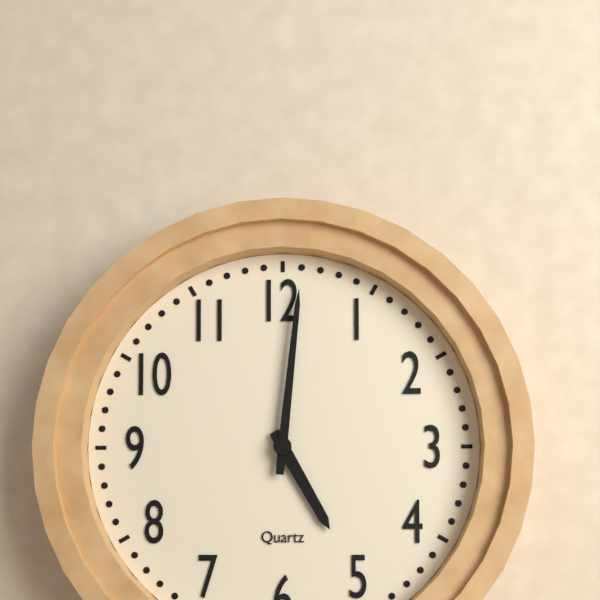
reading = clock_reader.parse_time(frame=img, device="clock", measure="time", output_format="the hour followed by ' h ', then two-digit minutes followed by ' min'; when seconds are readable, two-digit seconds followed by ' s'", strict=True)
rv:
5 h 01 min
